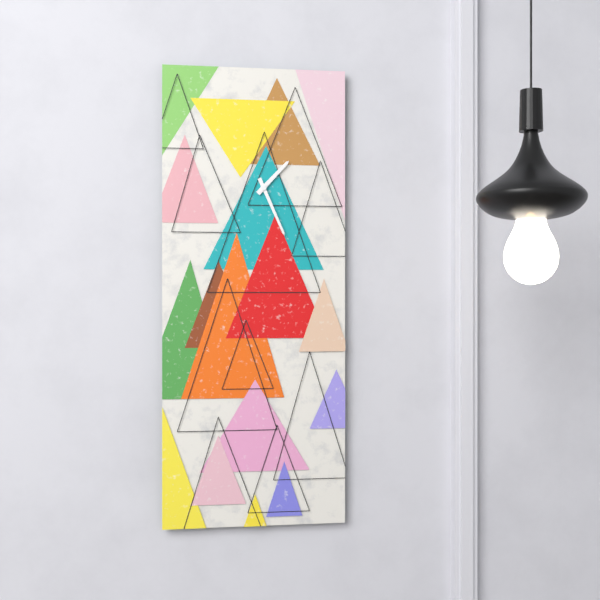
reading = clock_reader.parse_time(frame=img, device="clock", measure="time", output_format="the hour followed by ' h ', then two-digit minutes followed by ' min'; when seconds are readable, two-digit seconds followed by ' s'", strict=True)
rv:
1 h 26 min
